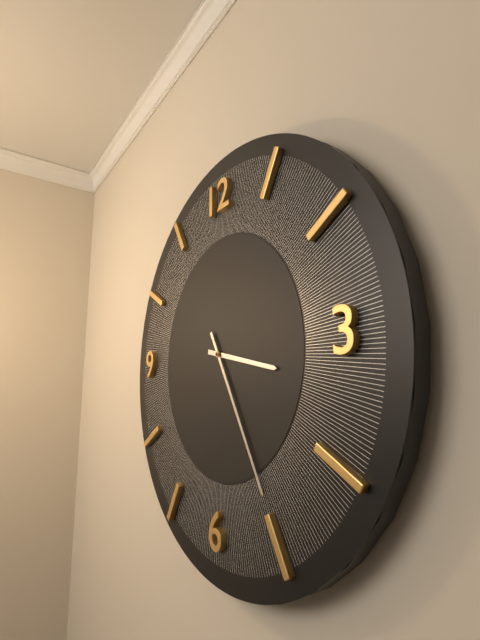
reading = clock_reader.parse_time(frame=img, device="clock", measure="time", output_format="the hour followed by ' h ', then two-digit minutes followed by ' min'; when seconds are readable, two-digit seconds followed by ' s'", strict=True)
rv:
3 h 25 min
